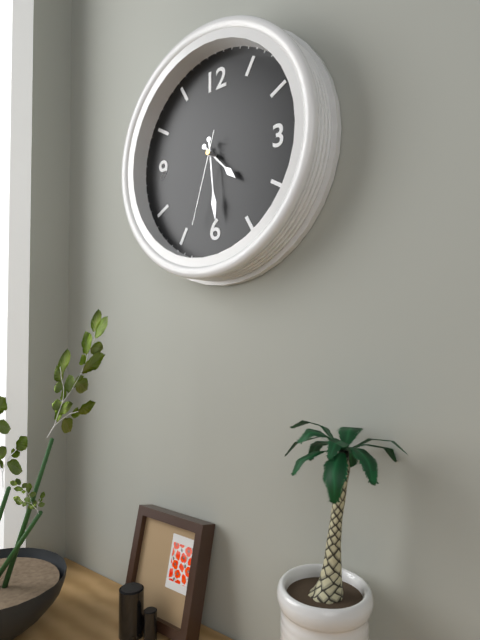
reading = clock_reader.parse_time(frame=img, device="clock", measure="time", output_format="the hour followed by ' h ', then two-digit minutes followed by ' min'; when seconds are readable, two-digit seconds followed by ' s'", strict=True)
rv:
4 h 29 min 33 s
